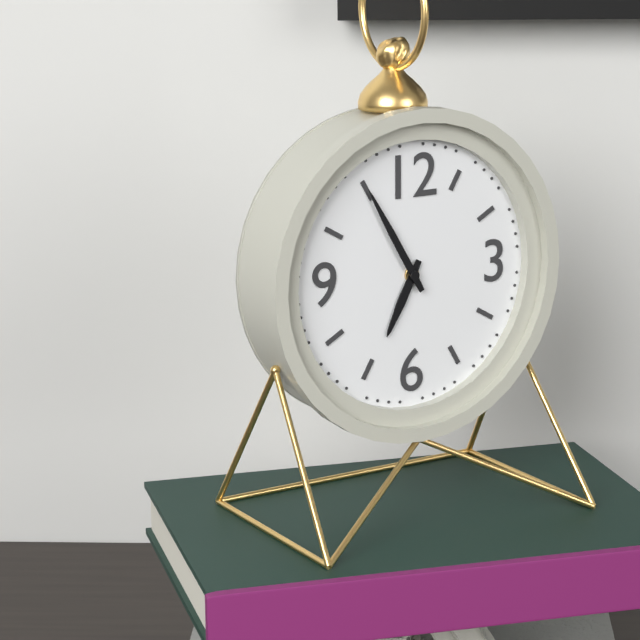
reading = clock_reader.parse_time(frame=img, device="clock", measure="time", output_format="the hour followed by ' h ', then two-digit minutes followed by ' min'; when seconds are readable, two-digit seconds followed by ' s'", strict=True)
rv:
6 h 55 min
